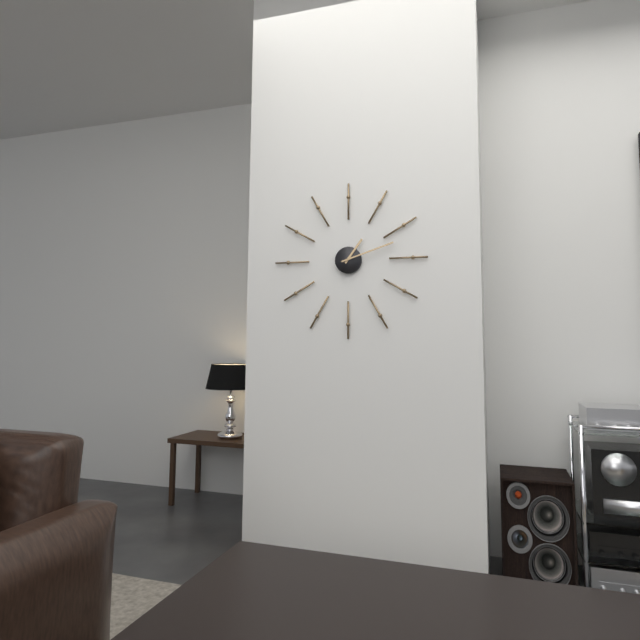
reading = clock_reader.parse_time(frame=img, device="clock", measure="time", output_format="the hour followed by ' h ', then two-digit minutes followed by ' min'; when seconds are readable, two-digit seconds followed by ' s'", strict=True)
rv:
1 h 12 min
